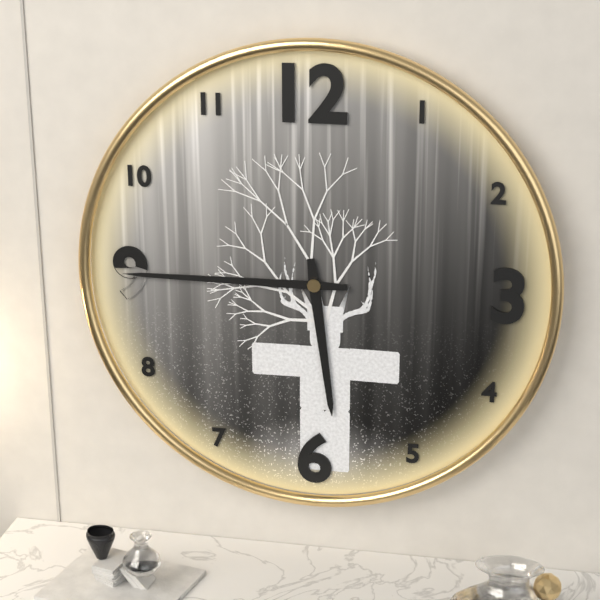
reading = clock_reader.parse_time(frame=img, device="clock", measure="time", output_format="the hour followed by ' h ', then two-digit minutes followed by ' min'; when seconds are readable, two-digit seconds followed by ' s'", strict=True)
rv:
5 h 45 min
